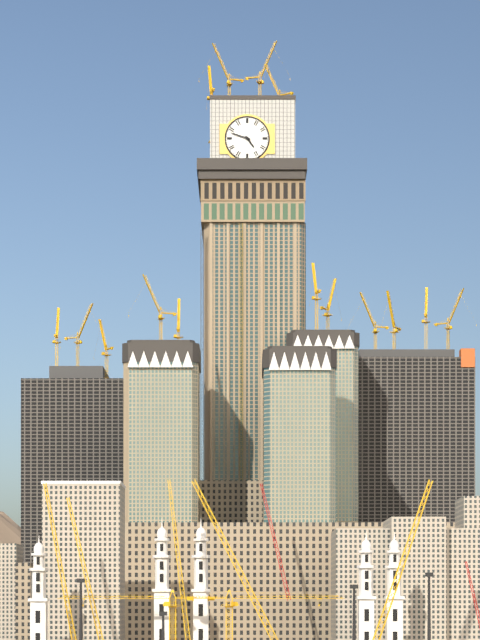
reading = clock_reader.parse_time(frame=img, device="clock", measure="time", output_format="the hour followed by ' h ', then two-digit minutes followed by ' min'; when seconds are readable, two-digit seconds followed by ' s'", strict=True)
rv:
4 h 48 min
